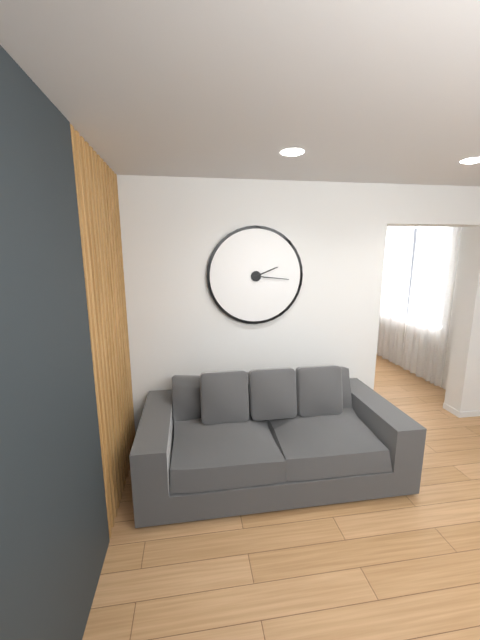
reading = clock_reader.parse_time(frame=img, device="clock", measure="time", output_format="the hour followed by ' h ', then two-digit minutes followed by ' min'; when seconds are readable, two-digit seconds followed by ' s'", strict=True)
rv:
2 h 16 min
